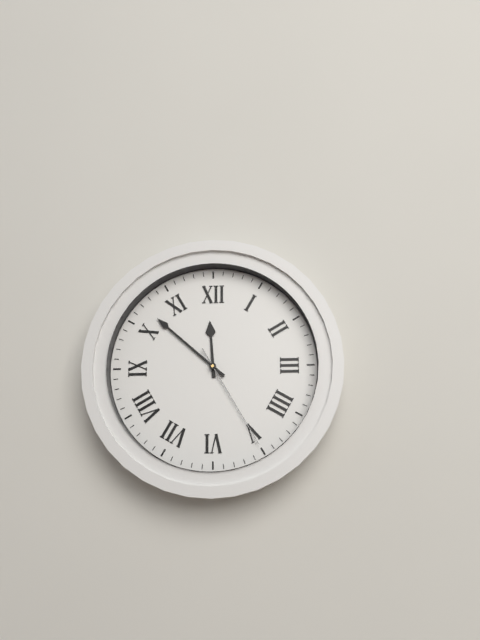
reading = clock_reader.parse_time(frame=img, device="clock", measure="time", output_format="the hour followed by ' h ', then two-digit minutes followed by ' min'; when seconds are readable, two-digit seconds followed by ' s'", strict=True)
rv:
11 h 52 min 25 s
